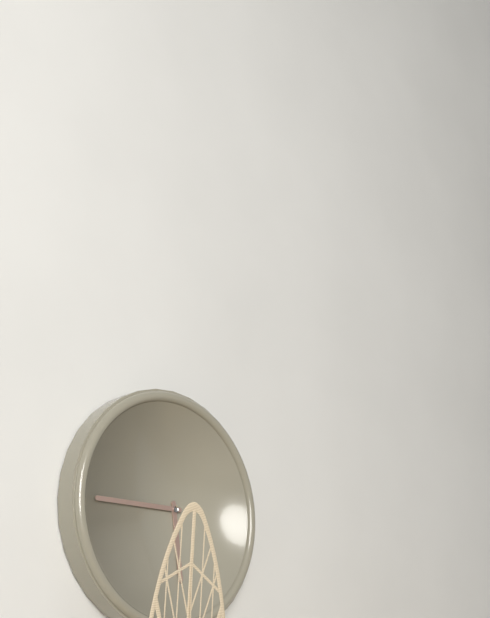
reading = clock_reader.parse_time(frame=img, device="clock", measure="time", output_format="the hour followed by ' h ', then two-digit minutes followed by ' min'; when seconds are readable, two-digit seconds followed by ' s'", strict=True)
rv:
5 h 45 min
